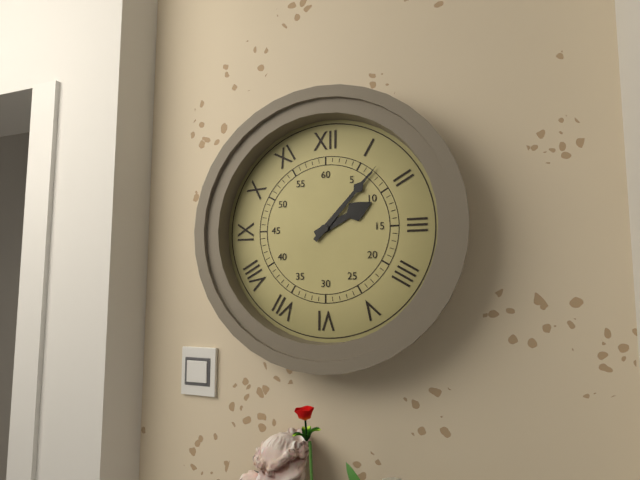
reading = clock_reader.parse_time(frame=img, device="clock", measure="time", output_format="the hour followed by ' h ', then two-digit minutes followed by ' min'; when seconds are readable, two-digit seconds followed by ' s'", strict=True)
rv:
2 h 07 min
